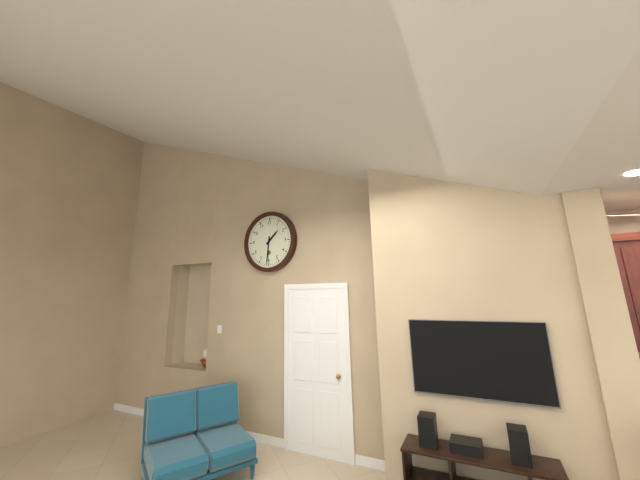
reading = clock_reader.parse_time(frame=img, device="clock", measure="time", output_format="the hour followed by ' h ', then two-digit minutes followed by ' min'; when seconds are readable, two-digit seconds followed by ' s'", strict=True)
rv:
1 h 31 min
